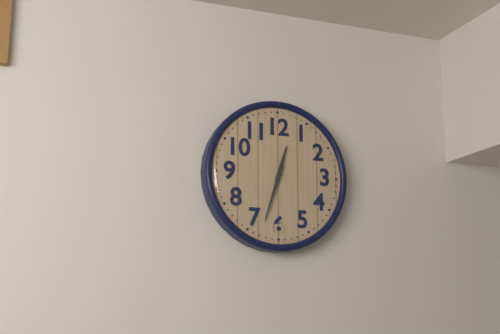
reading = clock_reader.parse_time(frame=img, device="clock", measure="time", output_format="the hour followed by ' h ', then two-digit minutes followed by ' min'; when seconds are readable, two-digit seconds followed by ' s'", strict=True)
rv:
12 h 33 min
